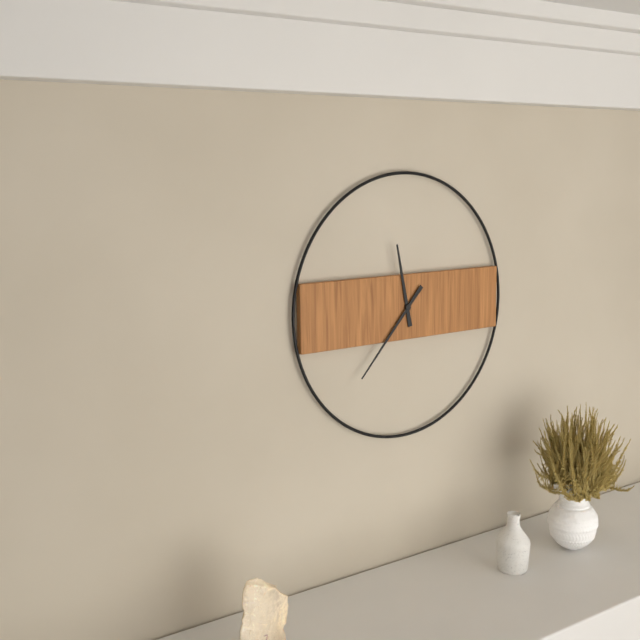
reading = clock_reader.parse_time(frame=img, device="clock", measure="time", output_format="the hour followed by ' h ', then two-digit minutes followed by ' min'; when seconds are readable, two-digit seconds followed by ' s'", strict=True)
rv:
11 h 37 min
